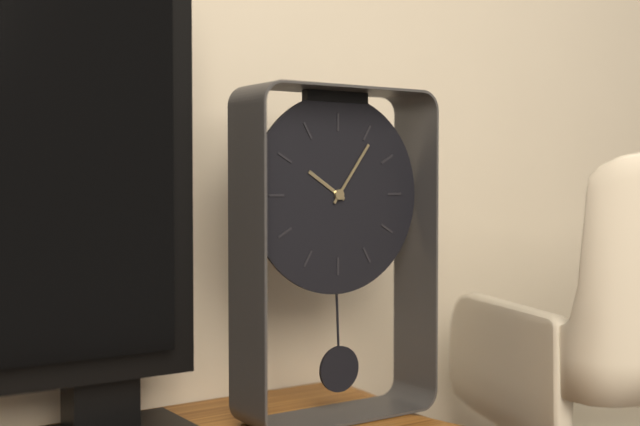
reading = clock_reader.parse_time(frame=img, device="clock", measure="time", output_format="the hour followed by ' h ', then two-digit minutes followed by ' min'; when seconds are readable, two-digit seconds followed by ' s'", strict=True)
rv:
10 h 06 min
